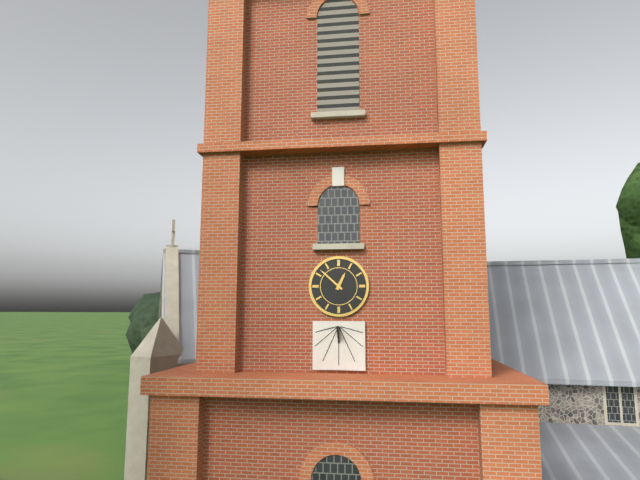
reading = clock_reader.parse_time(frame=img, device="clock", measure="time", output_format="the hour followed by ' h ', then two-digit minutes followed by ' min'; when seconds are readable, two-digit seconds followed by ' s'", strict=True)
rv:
12 h 52 min
